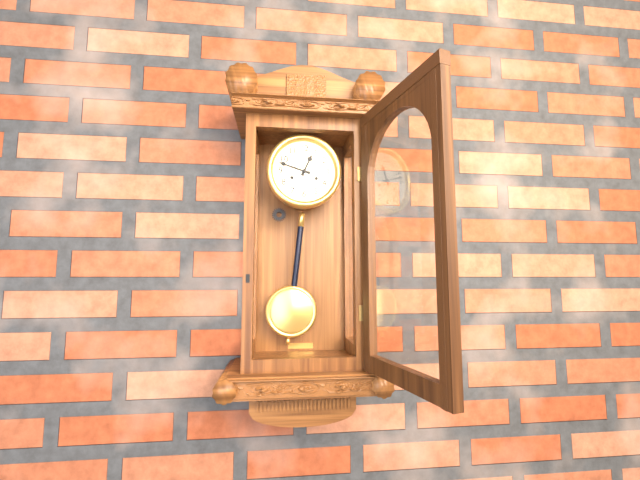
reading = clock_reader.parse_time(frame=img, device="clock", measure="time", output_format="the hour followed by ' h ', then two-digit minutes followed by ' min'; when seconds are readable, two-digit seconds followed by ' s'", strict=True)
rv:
12 h 48 min
